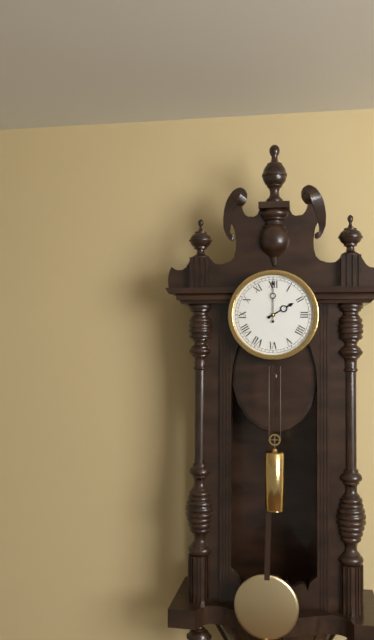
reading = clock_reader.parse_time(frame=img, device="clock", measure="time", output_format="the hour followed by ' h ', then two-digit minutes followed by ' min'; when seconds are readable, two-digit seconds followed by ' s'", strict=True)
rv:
2 h 00 min
